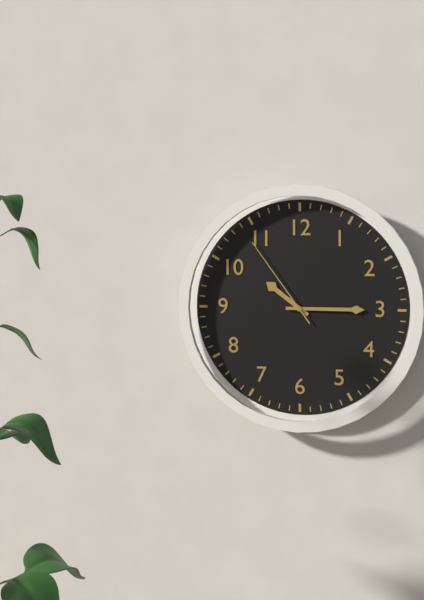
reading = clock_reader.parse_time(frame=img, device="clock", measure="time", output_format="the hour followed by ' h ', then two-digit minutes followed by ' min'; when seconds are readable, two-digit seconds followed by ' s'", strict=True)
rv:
10 h 15 min 54 s
